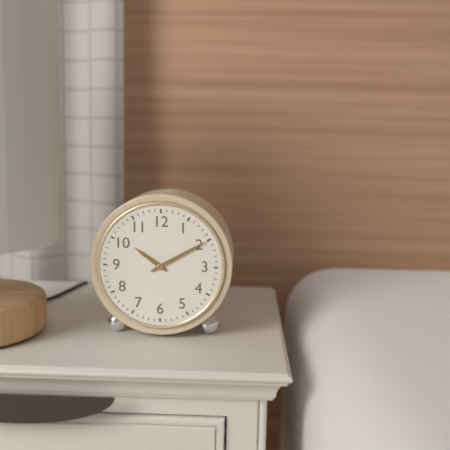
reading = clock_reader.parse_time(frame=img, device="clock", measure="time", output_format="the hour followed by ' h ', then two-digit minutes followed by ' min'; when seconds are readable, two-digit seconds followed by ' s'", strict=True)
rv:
10 h 10 min
